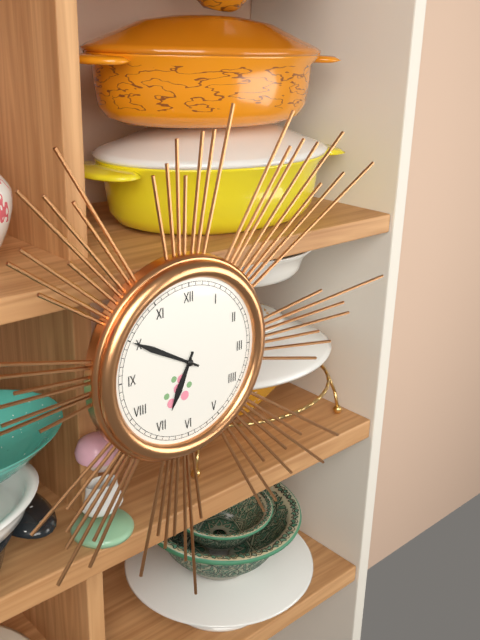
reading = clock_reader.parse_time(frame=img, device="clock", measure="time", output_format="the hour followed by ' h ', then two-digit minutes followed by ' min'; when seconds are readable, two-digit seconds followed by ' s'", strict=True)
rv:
6 h 50 min
